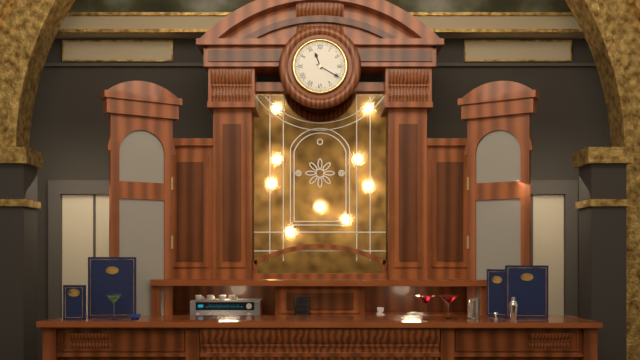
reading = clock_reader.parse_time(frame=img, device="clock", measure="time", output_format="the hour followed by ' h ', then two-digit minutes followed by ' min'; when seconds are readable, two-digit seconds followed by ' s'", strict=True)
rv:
11 h 20 min
